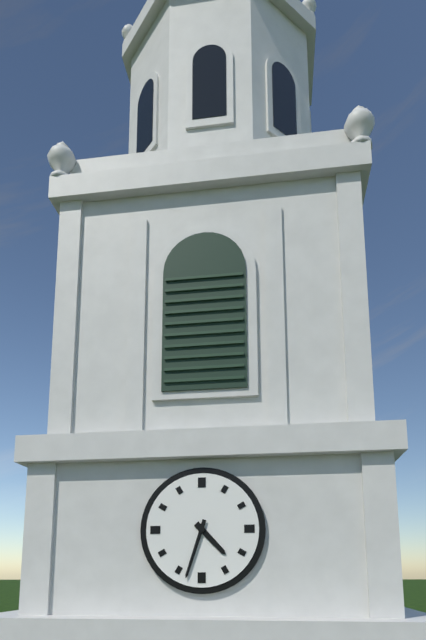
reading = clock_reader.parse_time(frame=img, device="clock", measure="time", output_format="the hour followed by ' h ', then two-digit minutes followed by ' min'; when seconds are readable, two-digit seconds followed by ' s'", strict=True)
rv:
4 h 33 min
